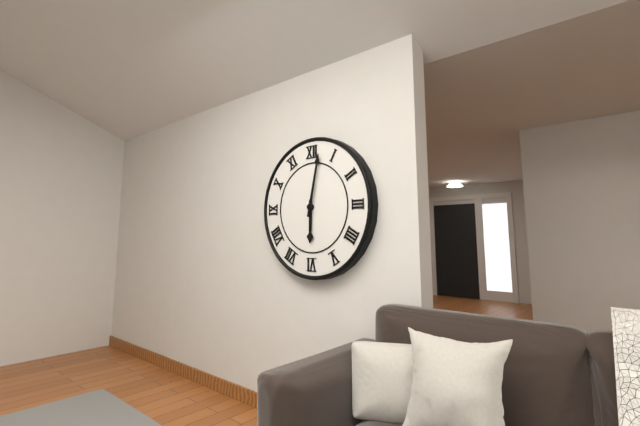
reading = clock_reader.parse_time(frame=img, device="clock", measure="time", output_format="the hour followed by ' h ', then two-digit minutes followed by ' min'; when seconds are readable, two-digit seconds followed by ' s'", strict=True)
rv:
6 h 02 min
